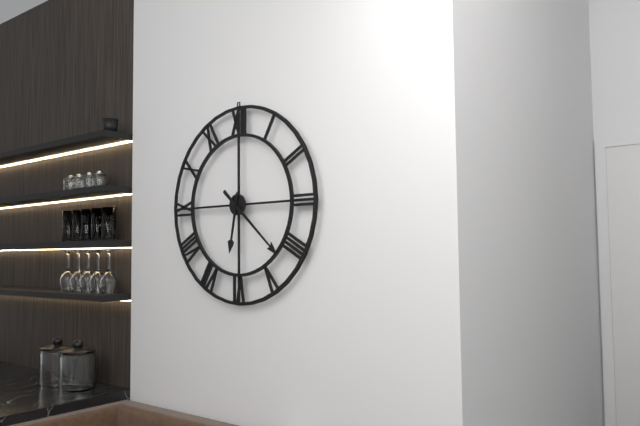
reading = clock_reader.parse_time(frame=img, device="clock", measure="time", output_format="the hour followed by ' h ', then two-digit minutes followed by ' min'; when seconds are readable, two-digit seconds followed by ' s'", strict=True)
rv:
6 h 22 min
